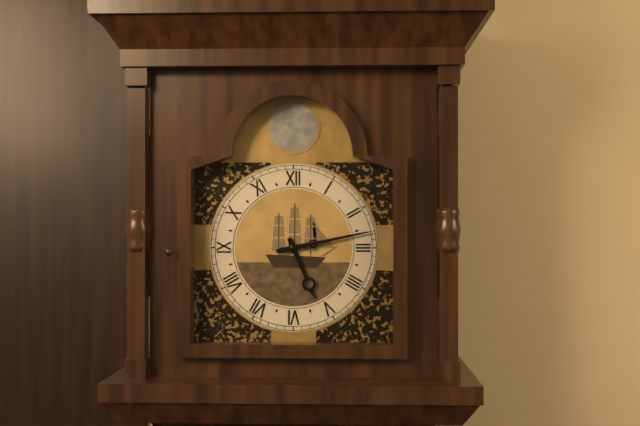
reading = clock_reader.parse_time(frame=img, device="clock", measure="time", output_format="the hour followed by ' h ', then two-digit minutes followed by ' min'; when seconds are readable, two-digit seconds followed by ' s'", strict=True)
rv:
5 h 13 min
